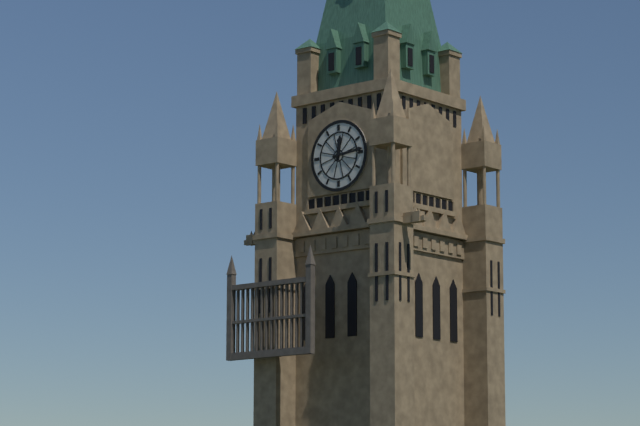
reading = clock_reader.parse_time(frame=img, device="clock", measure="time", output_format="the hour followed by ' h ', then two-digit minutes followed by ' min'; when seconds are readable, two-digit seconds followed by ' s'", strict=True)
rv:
12 h 14 min
